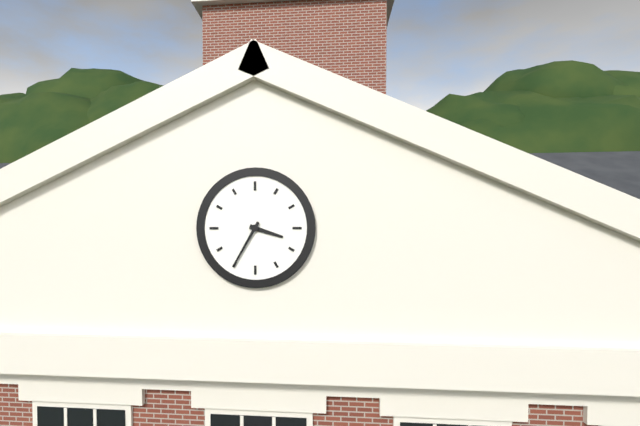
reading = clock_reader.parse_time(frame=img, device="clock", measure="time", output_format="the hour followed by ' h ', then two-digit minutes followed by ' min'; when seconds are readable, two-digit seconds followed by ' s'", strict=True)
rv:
3 h 35 min
